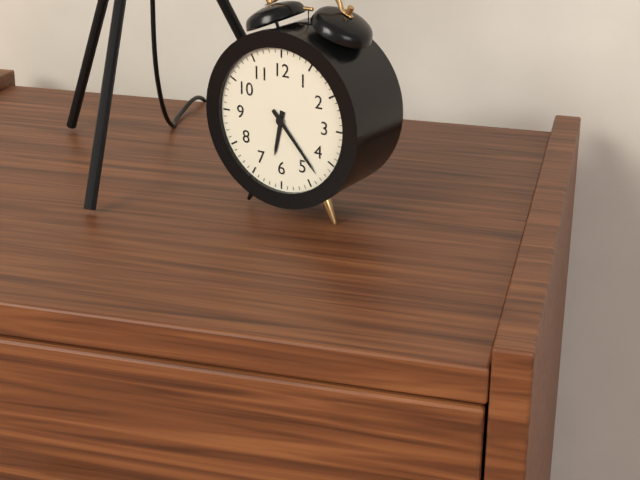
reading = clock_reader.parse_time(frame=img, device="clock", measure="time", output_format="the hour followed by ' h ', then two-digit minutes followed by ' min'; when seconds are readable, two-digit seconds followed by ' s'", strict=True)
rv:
6 h 23 min
